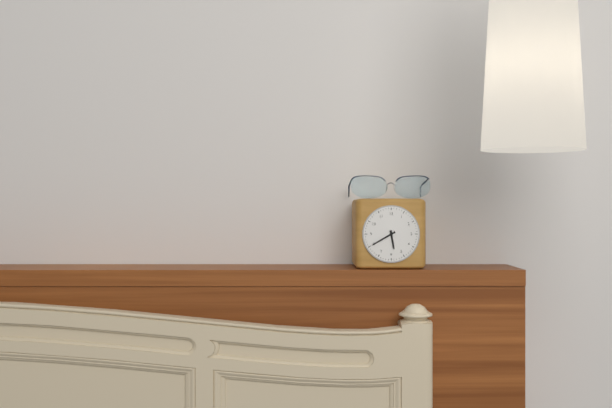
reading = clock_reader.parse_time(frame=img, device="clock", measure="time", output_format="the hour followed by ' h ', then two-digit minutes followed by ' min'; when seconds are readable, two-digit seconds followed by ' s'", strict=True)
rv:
5 h 40 min
